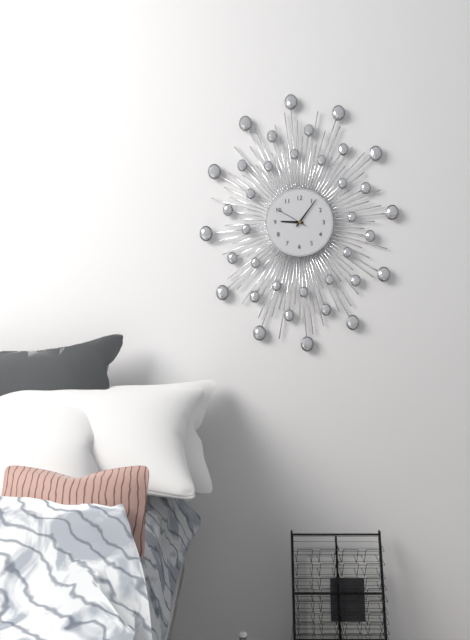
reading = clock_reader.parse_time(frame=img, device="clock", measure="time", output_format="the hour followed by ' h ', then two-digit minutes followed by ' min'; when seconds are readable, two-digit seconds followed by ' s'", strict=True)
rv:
9 h 06 min
